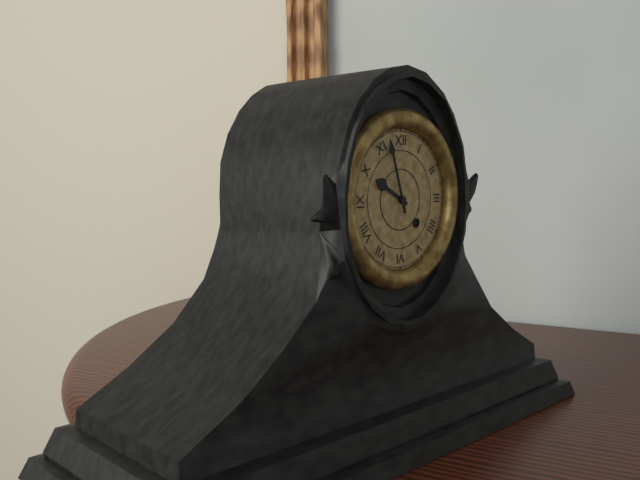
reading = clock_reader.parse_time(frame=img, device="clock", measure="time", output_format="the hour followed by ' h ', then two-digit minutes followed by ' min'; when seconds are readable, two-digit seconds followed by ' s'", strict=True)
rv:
9 h 57 min
